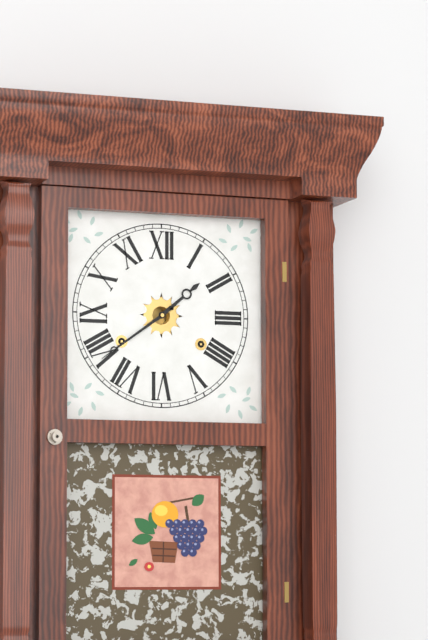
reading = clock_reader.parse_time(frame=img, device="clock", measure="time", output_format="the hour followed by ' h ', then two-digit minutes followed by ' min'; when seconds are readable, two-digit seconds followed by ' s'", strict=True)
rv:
1 h 39 min
